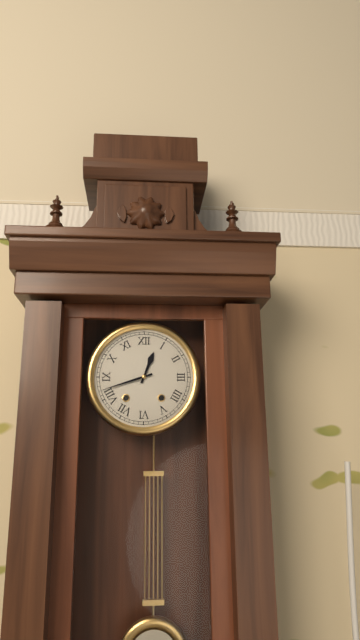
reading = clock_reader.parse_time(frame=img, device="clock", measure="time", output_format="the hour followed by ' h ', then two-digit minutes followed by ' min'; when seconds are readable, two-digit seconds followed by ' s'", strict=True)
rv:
12 h 42 min
